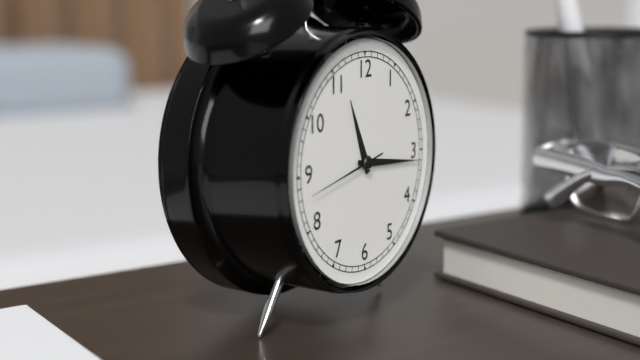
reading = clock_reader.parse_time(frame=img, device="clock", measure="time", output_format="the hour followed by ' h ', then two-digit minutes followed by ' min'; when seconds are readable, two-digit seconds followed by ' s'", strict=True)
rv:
11 h 16 min 43 s
